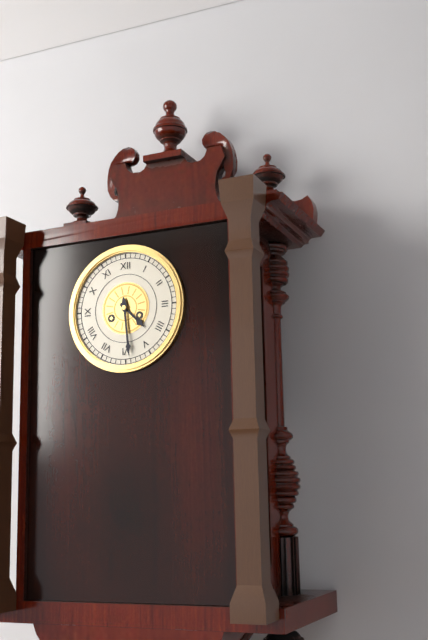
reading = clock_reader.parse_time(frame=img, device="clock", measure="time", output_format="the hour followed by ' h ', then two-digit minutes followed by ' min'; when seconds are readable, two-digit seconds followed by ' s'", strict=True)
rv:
4 h 29 min
